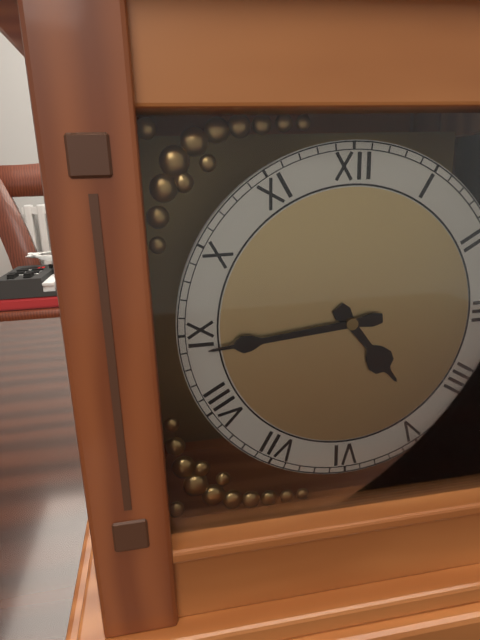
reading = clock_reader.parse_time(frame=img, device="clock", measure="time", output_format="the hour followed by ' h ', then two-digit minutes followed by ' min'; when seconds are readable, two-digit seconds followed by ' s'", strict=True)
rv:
4 h 44 min
